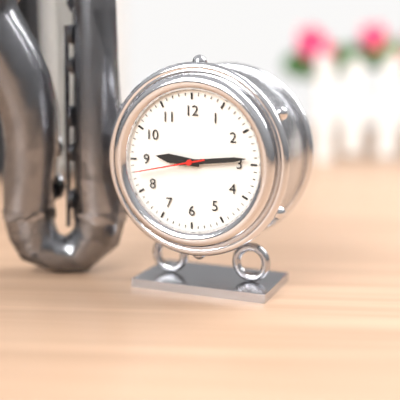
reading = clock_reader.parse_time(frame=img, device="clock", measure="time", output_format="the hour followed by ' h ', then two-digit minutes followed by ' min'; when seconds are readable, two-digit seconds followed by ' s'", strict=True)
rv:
9 h 14 min 43 s
